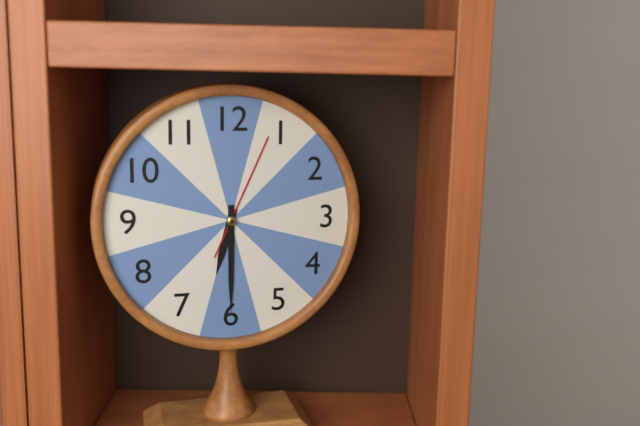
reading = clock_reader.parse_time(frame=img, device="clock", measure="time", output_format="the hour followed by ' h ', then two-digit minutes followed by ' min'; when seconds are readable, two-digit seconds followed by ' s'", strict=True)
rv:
6 h 30 min 04 s
